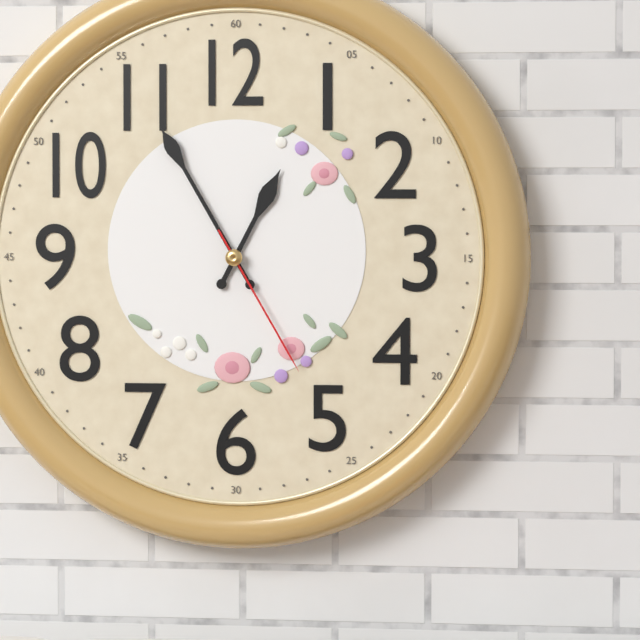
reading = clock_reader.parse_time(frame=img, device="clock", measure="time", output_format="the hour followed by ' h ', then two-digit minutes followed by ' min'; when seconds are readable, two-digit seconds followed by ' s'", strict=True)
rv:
12 h 55 min 25 s
